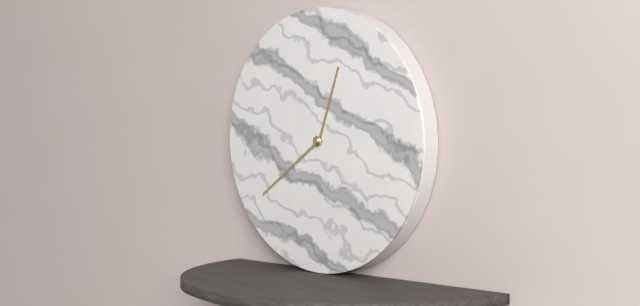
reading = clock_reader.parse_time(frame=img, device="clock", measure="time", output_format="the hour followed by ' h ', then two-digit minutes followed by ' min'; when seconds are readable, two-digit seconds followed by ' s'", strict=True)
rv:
12 h 39 min
